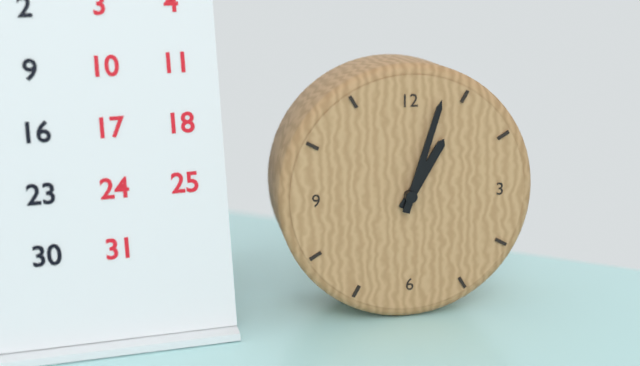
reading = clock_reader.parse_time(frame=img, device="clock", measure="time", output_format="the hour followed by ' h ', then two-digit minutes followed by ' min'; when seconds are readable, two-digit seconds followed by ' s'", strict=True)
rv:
1 h 03 min
